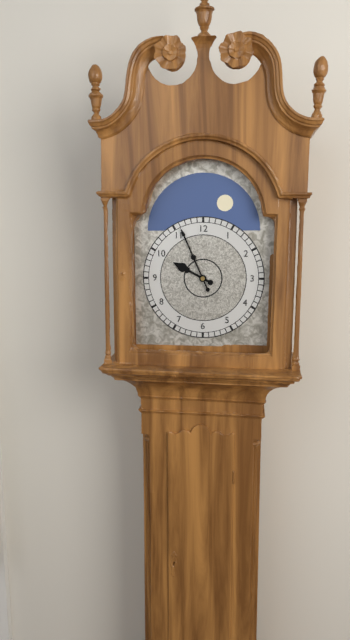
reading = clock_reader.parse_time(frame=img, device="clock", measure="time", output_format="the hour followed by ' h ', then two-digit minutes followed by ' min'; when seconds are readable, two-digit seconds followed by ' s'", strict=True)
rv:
9 h 56 min
